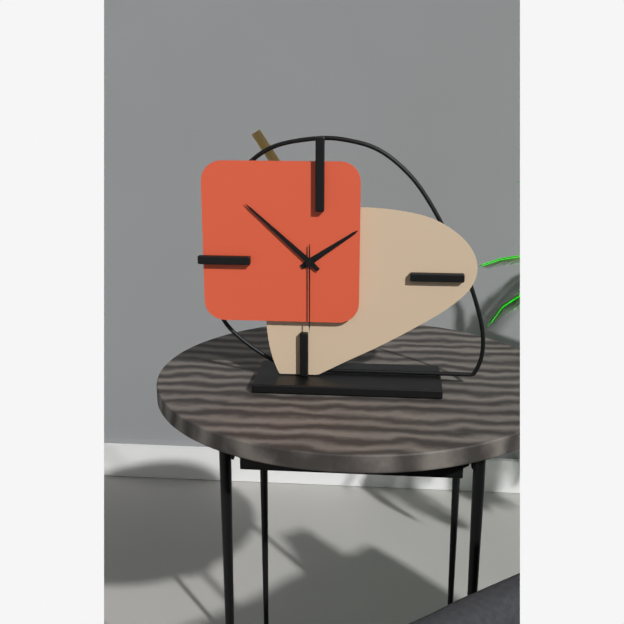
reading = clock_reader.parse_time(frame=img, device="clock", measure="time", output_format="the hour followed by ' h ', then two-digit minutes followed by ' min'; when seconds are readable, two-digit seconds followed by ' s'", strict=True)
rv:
1 h 52 min 30 s
